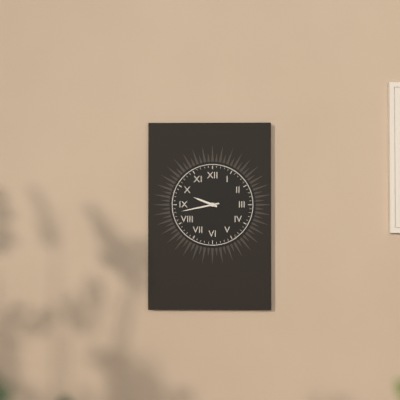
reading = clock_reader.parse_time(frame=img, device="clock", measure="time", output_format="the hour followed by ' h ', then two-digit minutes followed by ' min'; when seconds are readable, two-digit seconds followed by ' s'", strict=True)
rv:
9 h 43 min
